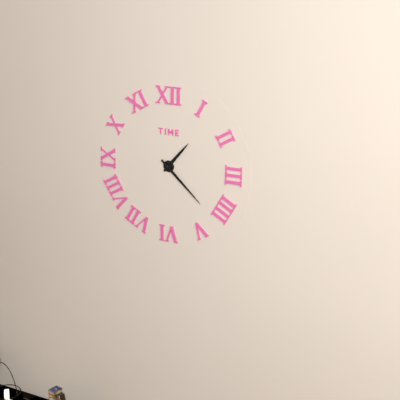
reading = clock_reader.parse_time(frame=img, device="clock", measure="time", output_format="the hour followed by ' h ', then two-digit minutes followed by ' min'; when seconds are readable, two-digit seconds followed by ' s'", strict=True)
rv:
1 h 22 min
